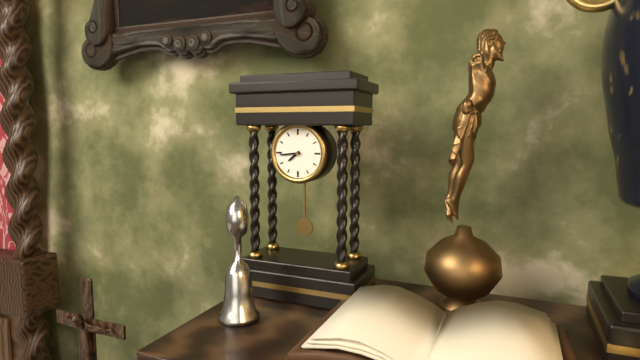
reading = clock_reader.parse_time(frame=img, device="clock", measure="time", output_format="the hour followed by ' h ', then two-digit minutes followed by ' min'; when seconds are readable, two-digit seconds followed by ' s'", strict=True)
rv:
7 h 44 min
